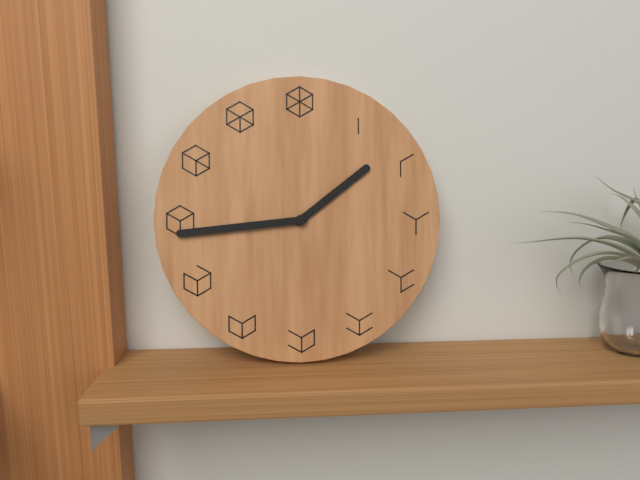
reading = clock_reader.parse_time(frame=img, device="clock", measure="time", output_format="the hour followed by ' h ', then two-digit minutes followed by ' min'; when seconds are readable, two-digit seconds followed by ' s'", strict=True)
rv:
1 h 44 min
